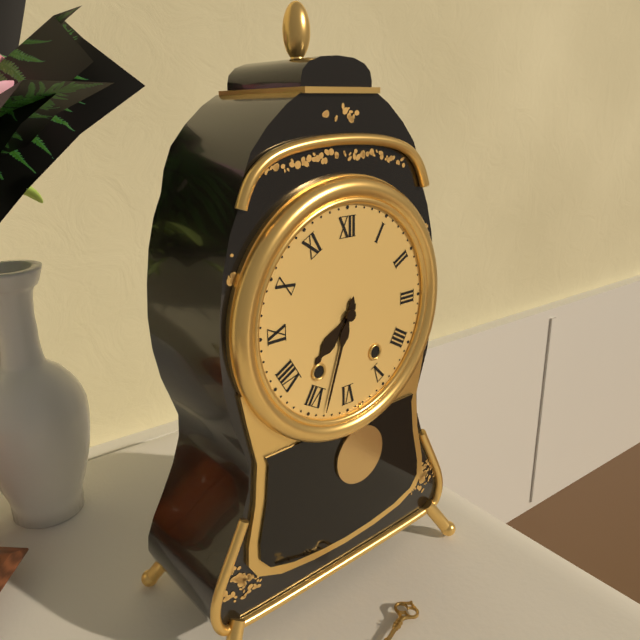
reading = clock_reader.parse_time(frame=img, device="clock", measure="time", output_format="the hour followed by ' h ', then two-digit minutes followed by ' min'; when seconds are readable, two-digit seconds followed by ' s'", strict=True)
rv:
7 h 33 min
